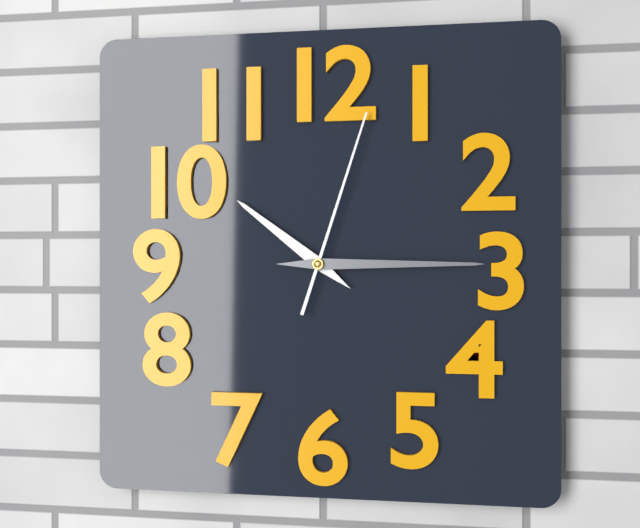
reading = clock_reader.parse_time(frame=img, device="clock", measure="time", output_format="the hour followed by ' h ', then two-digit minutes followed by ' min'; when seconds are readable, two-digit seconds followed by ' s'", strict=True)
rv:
10 h 15 min 03 s
